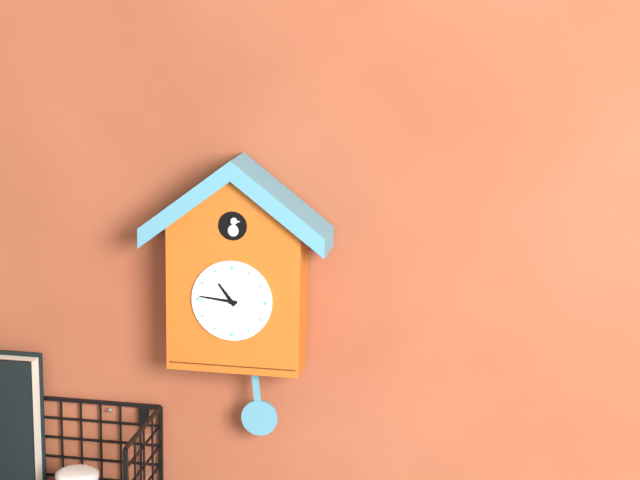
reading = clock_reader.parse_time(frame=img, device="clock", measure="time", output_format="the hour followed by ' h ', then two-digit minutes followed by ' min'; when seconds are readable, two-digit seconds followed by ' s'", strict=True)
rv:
10 h 46 min
